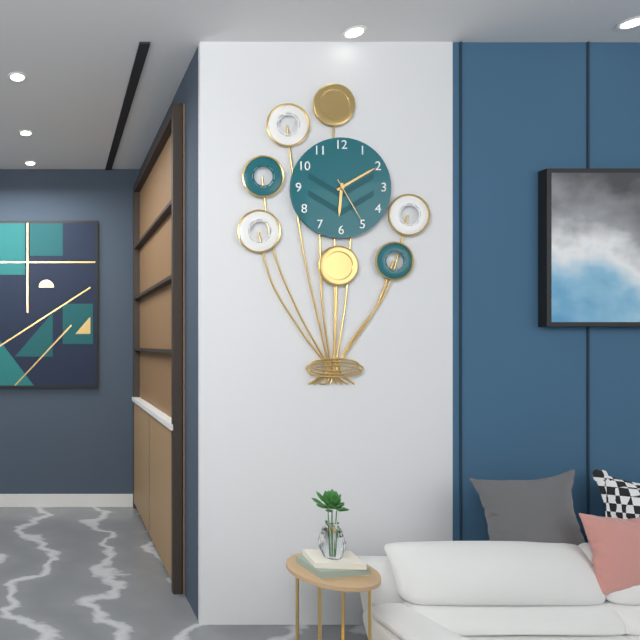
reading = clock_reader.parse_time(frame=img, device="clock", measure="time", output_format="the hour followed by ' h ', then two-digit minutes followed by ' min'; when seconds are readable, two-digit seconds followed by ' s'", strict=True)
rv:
6 h 10 min
